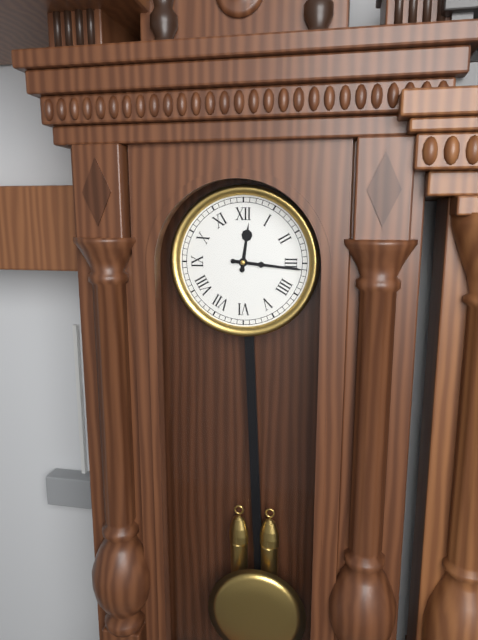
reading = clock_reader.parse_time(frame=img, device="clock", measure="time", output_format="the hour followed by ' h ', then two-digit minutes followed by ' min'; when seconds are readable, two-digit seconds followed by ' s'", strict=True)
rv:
12 h 16 min
